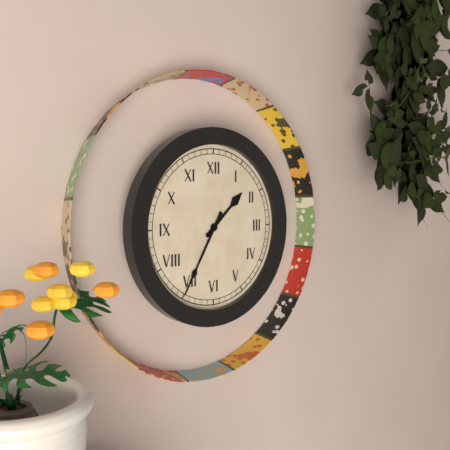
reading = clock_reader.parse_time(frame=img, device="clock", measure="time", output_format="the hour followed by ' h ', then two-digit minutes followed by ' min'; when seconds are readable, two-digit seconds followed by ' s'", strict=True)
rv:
1 h 35 min
